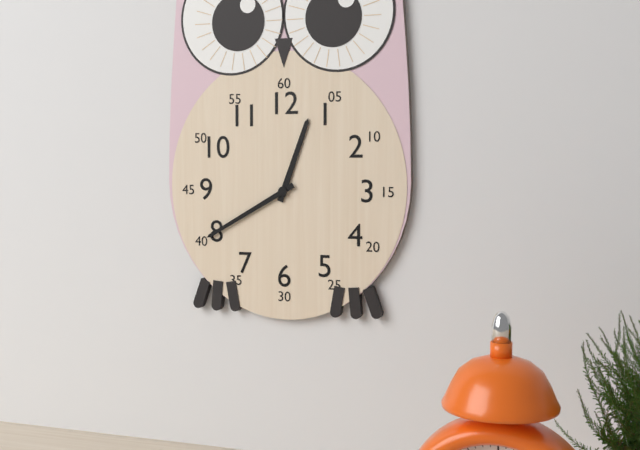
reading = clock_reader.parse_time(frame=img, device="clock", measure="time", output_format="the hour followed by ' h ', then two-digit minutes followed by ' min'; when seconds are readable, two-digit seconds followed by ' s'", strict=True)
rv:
12 h 40 min
